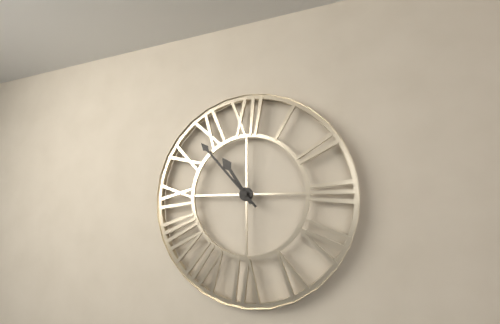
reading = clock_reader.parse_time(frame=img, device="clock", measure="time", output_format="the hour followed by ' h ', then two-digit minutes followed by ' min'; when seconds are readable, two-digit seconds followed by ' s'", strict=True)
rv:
10 h 53 min
